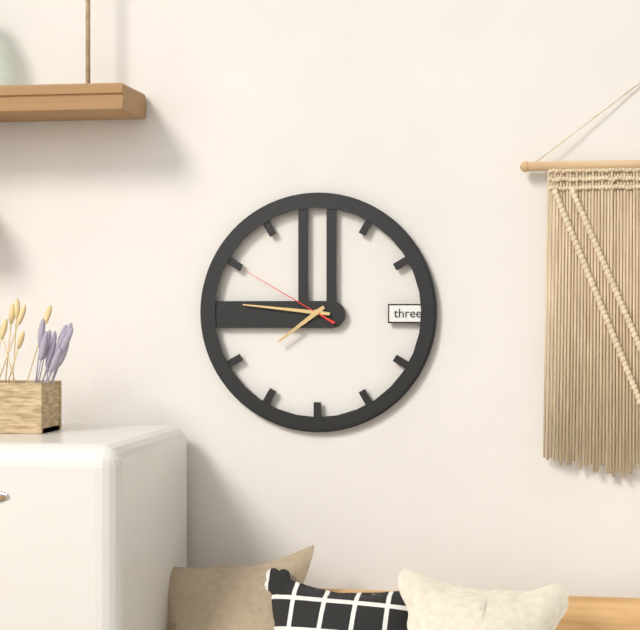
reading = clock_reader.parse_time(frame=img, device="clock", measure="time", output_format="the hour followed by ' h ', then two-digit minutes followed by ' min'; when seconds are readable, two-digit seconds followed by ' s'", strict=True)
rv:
7 h 46 min 50 s
